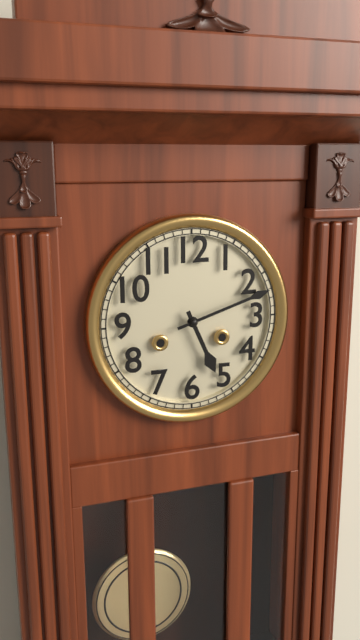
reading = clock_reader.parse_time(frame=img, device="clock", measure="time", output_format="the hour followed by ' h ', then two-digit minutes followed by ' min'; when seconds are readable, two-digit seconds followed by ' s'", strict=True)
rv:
5 h 12 min
